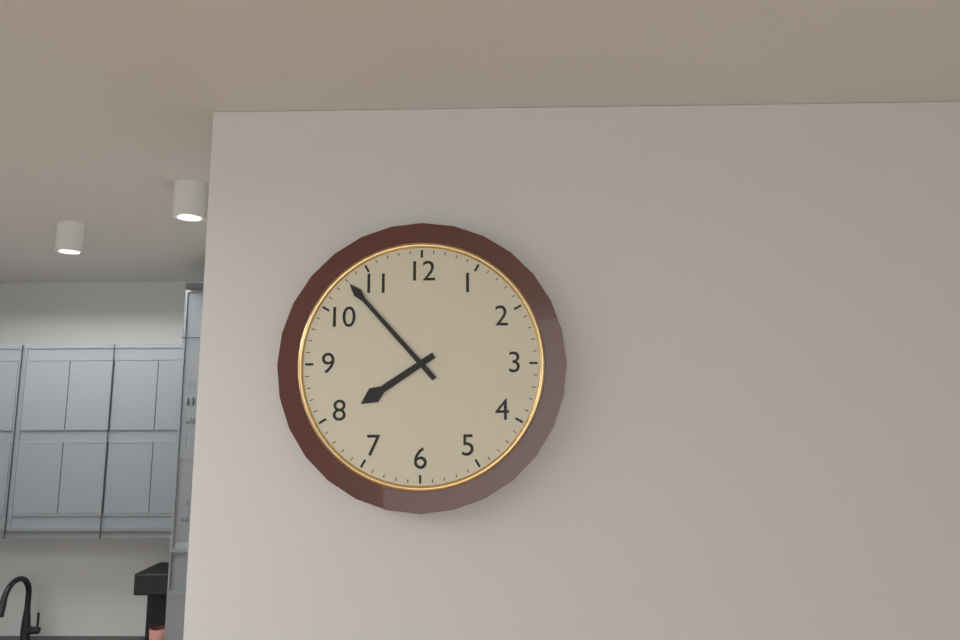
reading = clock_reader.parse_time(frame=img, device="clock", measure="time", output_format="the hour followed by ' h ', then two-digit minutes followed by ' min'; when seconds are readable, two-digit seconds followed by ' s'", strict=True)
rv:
7 h 53 min
